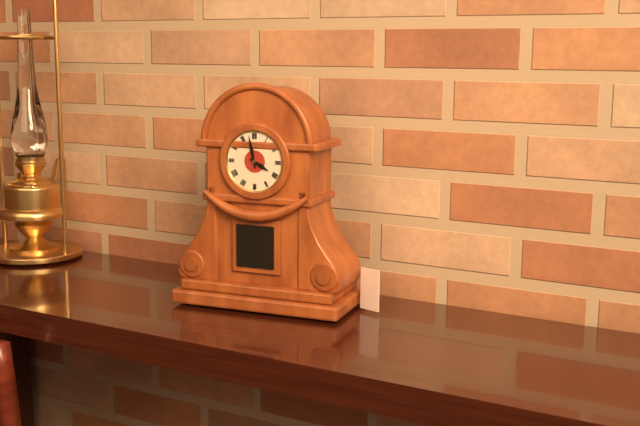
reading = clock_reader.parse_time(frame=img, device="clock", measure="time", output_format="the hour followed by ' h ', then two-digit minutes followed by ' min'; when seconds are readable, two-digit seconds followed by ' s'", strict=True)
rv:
3 h 58 min
